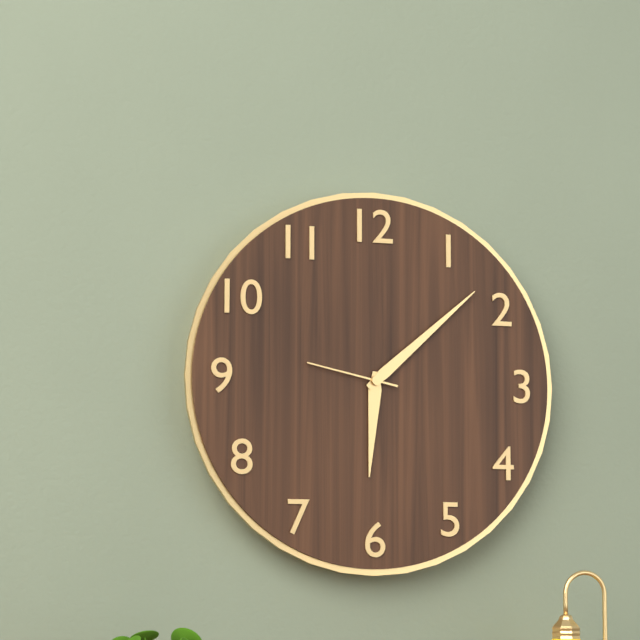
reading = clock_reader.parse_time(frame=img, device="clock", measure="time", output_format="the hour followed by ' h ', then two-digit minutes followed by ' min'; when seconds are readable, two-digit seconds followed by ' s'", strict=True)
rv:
6 h 08 min 47 s
